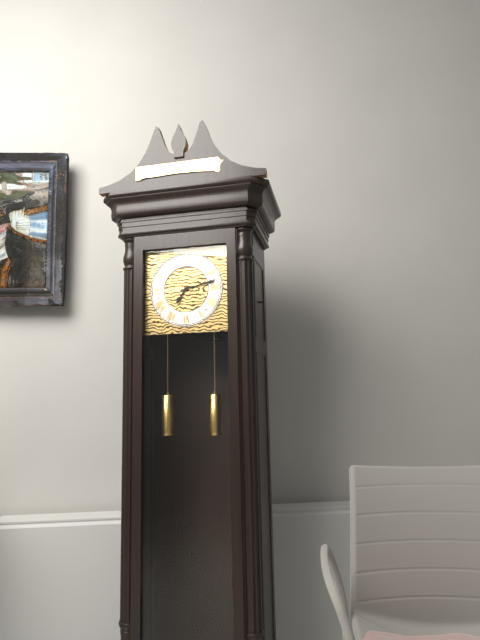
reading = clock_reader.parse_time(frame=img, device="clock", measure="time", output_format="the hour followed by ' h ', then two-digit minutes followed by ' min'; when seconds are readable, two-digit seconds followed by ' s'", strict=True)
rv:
7 h 13 min
